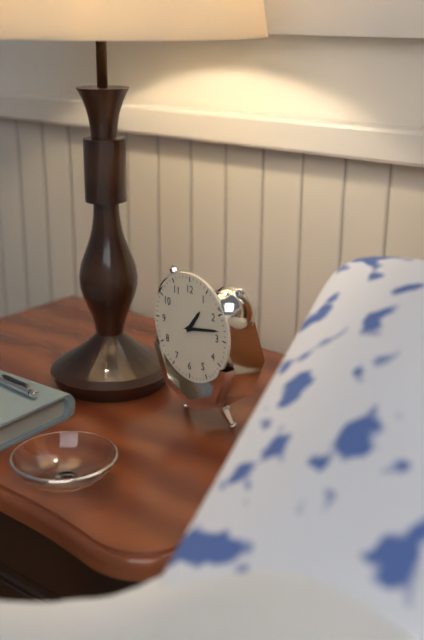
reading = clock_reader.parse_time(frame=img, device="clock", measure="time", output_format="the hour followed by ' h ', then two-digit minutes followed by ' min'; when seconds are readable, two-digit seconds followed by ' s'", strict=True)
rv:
1 h 13 min
